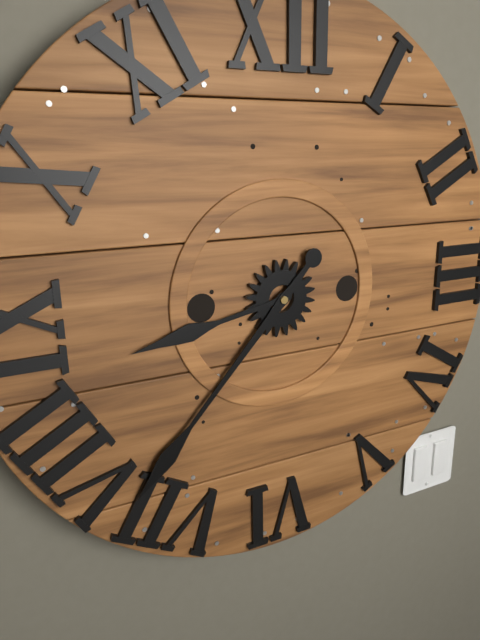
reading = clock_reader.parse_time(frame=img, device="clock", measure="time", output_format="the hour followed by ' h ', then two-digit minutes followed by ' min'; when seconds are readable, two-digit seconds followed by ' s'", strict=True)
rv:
8 h 37 min
